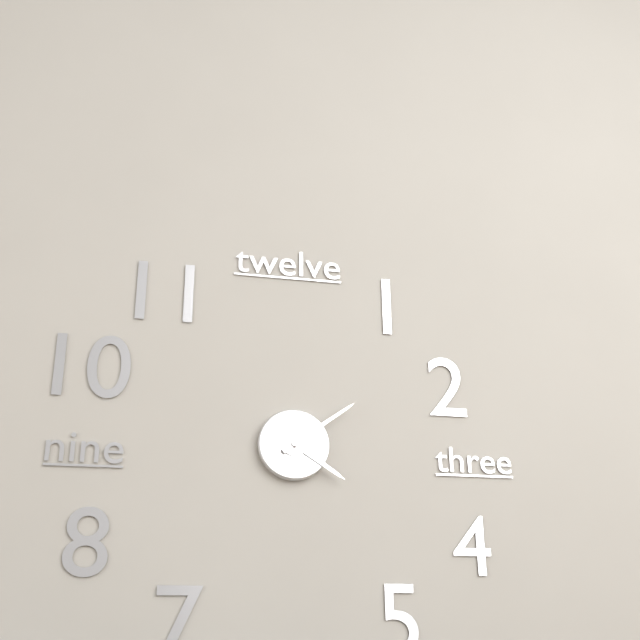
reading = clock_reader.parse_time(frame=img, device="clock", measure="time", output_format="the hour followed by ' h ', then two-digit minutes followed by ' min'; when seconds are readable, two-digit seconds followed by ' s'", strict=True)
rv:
4 h 09 min
